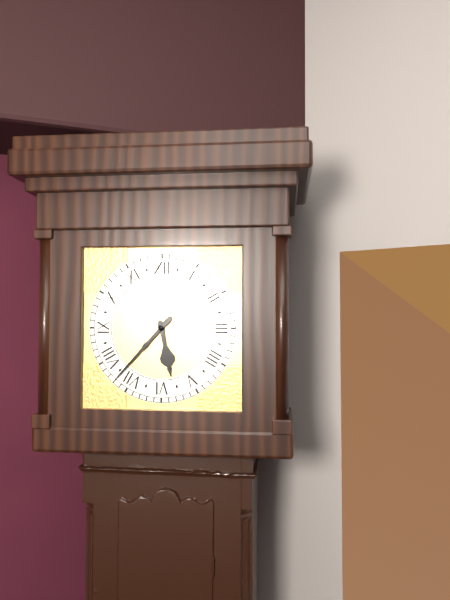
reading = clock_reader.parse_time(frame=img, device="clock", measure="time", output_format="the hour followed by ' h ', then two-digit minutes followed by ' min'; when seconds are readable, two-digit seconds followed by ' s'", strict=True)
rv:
5 h 37 min
